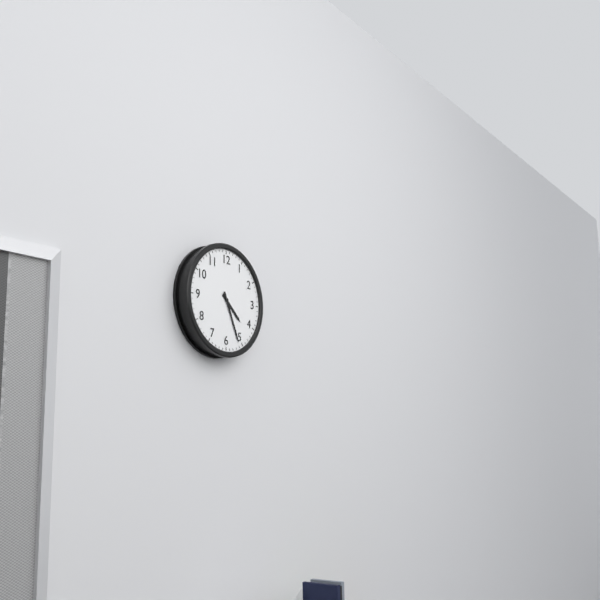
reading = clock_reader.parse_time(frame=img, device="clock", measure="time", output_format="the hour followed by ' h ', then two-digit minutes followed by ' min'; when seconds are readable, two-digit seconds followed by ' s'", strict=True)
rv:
4 h 26 min
